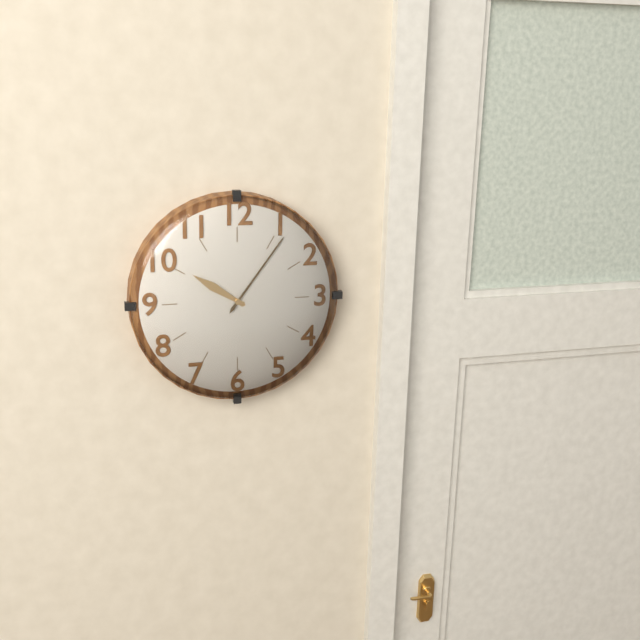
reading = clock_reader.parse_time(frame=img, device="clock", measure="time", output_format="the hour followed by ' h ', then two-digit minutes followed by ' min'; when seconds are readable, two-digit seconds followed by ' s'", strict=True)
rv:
10 h 06 min
